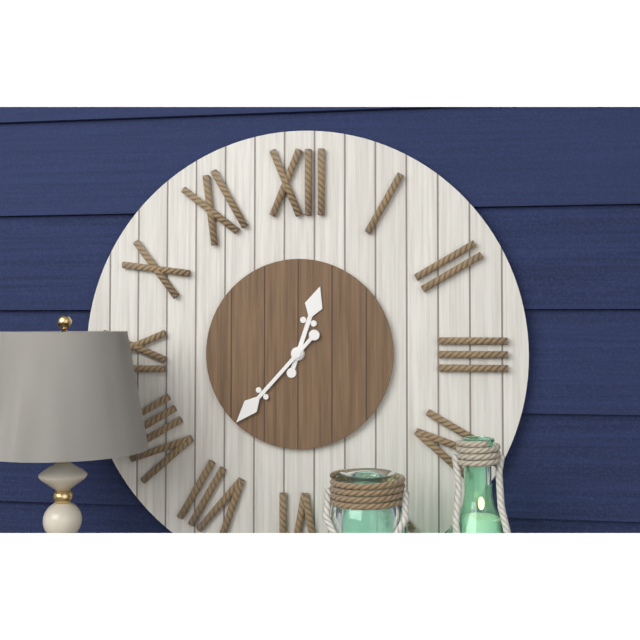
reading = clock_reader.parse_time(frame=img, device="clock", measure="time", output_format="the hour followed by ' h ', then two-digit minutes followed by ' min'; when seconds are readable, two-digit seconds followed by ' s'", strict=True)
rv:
12 h 37 min
